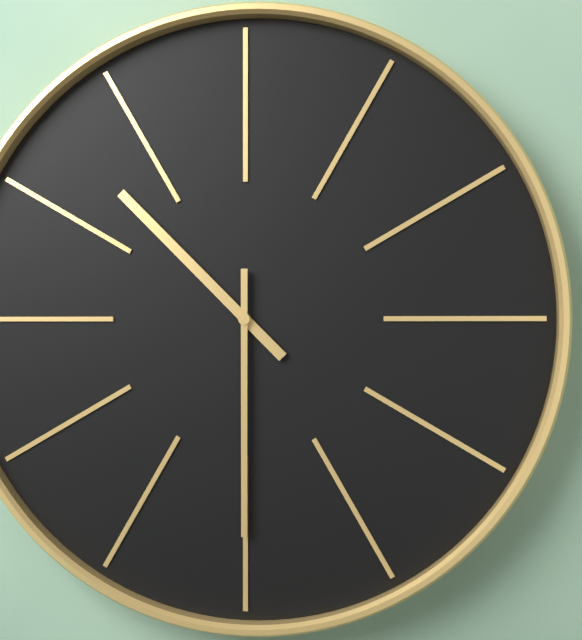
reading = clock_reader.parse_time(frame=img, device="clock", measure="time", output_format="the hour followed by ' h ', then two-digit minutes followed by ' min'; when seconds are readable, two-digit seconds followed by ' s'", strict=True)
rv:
10 h 30 min
